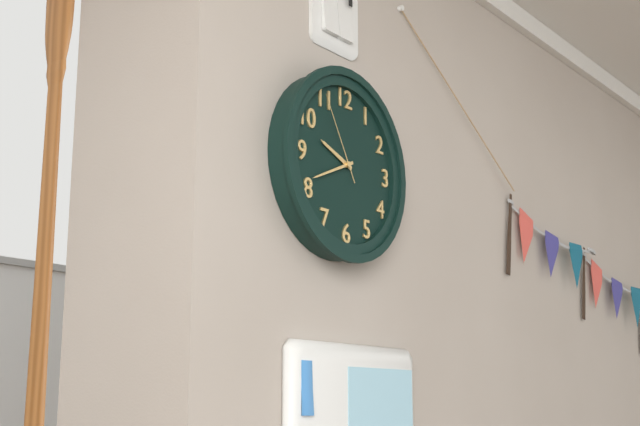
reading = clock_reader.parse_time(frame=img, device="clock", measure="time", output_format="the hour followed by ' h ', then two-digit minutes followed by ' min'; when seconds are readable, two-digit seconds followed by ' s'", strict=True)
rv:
9 h 41 min 55 s
